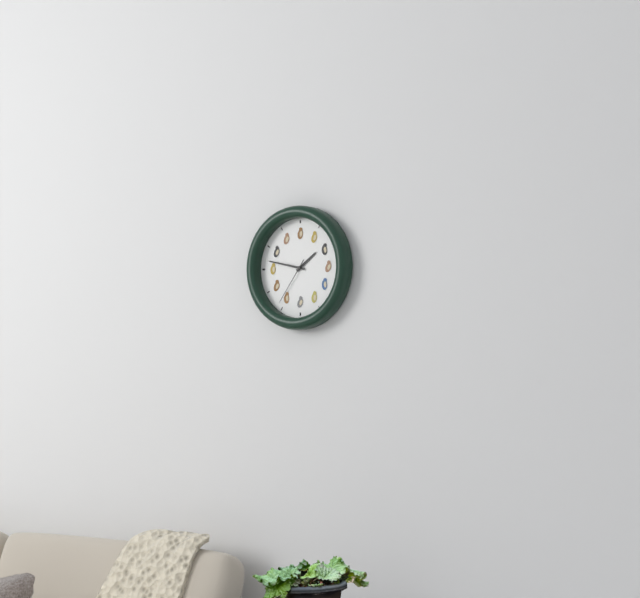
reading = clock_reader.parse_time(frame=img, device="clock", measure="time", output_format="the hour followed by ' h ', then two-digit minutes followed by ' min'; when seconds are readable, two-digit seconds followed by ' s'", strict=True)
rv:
1 h 47 min 36 s
